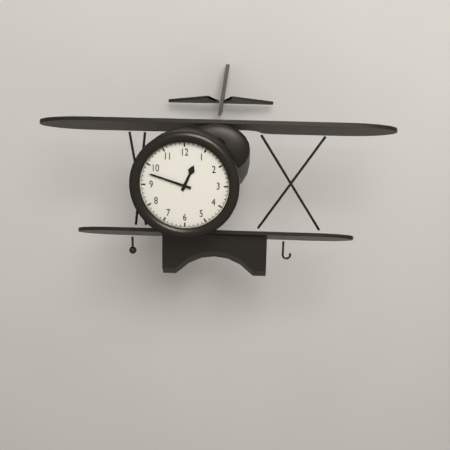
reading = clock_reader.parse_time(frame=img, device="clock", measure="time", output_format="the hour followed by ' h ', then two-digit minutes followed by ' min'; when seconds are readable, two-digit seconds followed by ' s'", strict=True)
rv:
12 h 48 min
